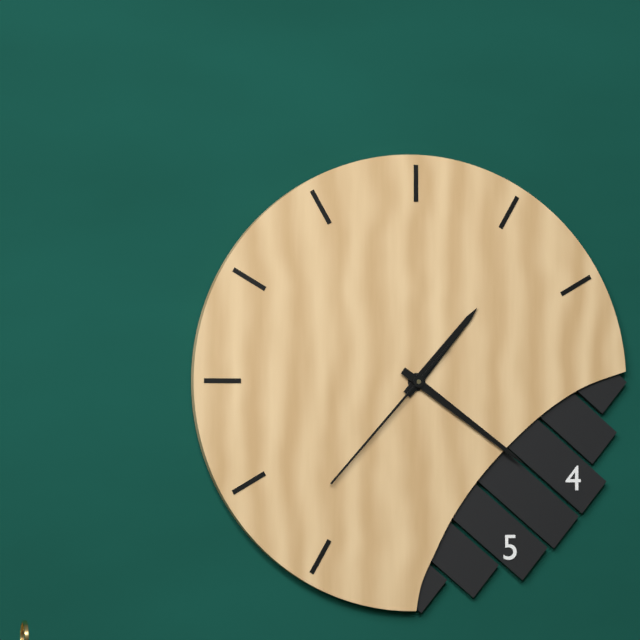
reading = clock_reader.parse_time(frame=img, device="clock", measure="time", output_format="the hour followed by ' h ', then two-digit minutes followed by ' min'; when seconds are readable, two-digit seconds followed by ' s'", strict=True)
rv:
1 h 21 min 37 s
